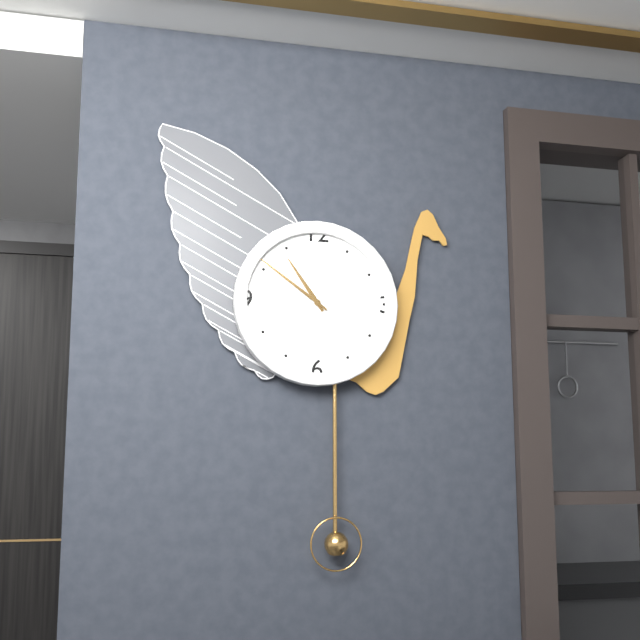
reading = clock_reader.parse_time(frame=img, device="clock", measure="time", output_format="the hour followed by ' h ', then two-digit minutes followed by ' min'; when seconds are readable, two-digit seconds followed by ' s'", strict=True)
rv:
10 h 51 min
